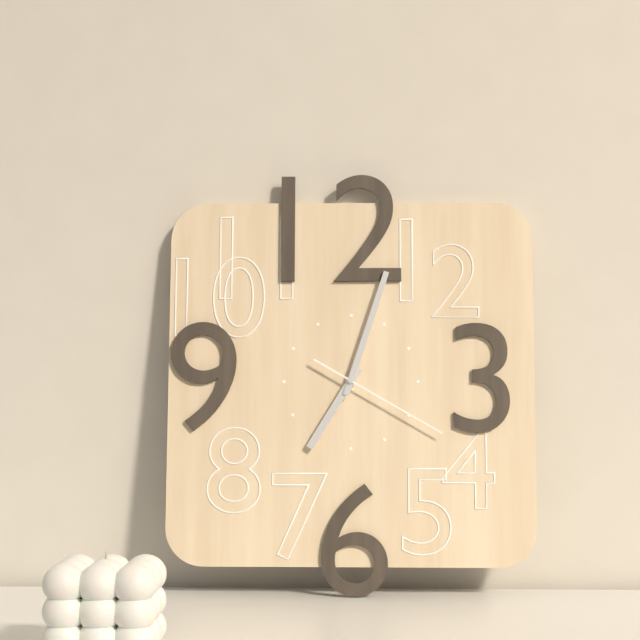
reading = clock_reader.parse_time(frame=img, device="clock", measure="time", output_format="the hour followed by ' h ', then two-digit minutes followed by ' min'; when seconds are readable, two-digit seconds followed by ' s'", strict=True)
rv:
7 h 03 min 20 s
